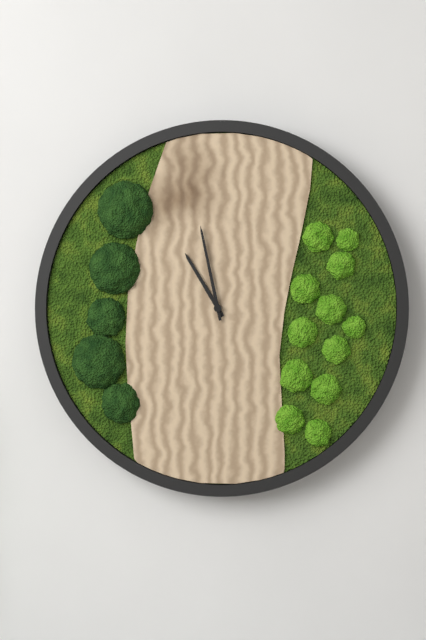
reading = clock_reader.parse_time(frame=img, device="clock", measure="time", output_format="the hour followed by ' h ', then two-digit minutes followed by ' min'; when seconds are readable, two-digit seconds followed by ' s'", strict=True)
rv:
10 h 58 min
